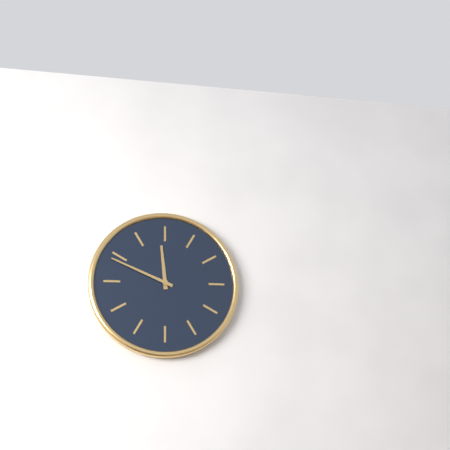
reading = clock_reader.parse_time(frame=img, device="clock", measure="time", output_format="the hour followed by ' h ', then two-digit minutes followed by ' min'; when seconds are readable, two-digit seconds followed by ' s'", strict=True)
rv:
11 h 49 min
